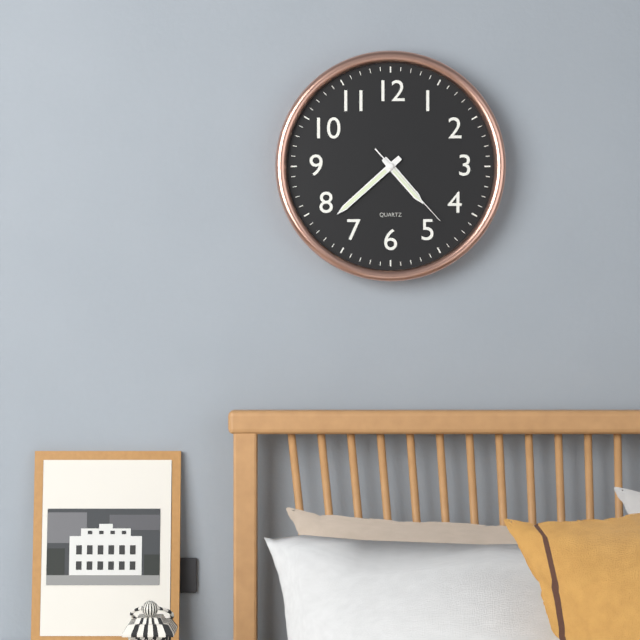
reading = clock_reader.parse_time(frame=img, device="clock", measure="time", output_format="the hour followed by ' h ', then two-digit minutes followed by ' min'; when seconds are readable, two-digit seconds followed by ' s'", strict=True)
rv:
4 h 38 min 23 s
